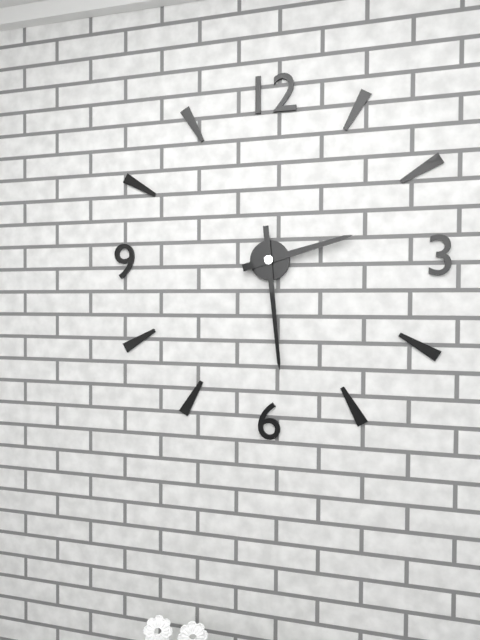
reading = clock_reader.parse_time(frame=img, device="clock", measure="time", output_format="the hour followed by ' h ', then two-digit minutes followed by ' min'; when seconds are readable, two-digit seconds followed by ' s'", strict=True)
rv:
2 h 29 min
